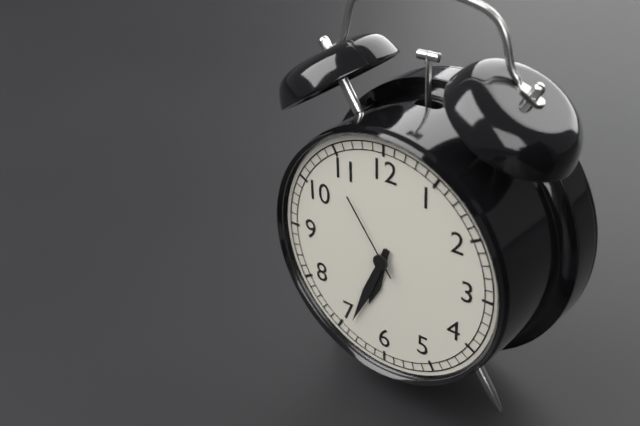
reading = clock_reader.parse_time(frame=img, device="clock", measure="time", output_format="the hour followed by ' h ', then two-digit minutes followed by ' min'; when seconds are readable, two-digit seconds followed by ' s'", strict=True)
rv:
6 h 34 min 54 s
